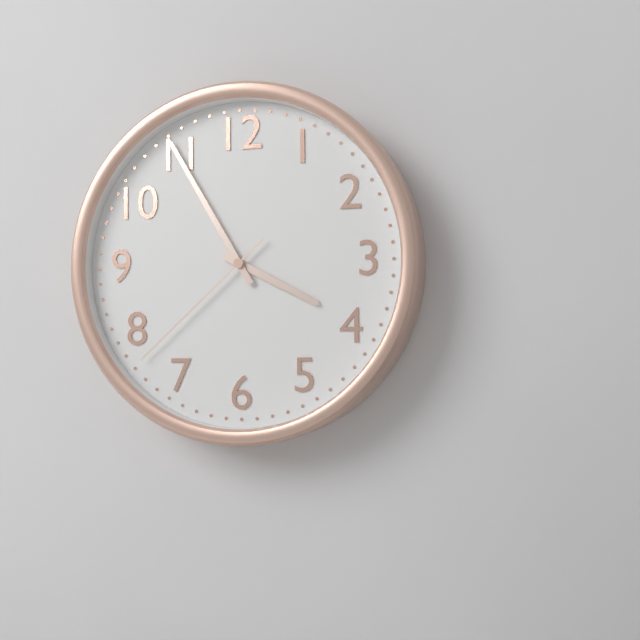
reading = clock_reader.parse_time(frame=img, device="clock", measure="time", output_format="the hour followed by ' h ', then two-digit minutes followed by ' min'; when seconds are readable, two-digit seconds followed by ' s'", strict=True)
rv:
3 h 55 min 38 s
